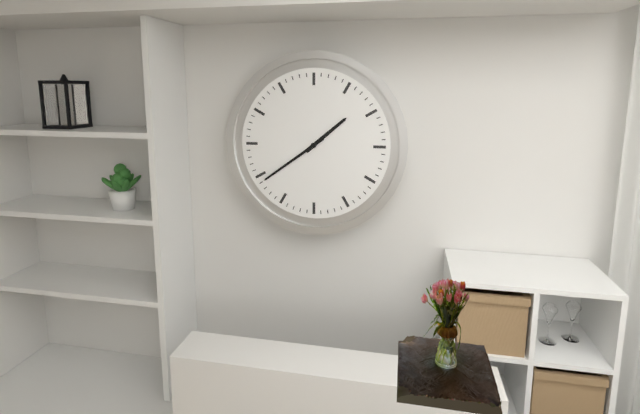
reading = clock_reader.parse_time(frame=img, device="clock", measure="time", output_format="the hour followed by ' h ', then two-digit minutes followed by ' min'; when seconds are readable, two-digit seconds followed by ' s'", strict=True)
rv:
1 h 39 min
